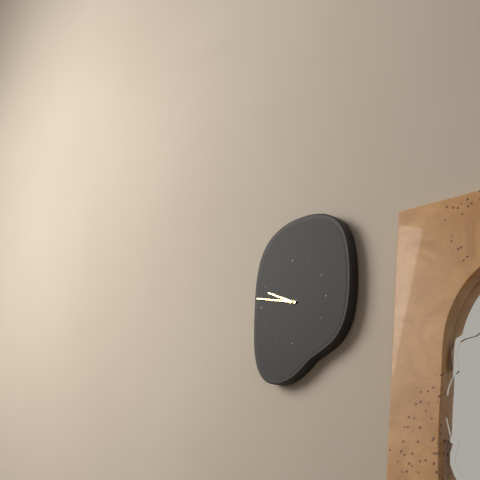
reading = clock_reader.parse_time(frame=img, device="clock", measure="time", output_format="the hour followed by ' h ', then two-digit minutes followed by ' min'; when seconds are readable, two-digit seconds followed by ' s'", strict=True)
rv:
9 h 47 min
